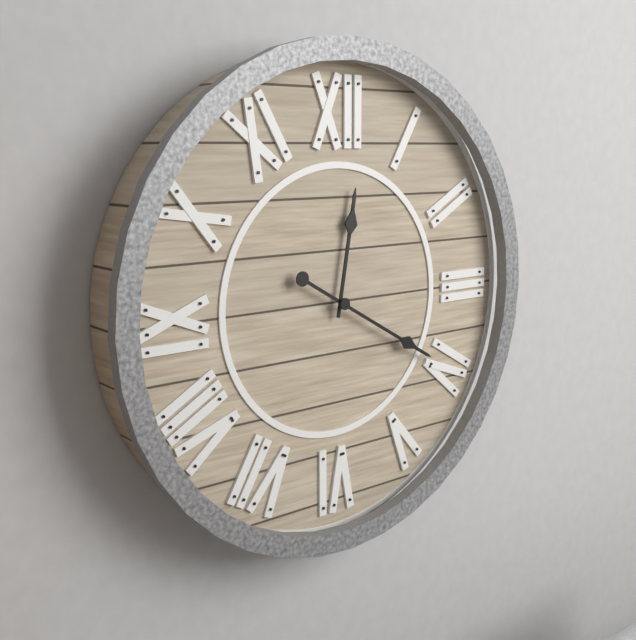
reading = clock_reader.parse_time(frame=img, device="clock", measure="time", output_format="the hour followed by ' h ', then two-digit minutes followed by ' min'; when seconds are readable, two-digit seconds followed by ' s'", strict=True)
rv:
12 h 20 min
